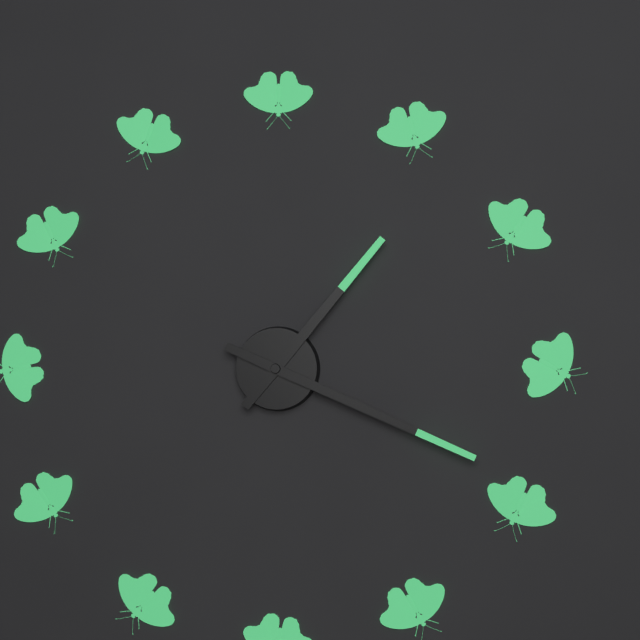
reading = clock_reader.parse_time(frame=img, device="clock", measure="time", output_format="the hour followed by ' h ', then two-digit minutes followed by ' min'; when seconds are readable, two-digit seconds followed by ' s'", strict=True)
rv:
1 h 19 min
